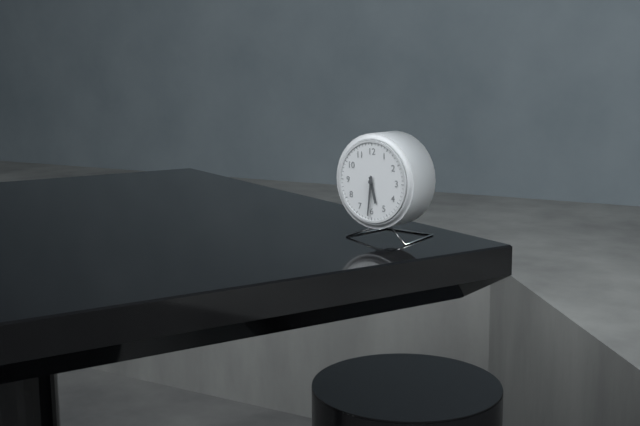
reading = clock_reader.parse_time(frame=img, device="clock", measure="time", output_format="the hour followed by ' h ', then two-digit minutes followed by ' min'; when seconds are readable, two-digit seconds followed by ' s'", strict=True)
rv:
5 h 31 min
